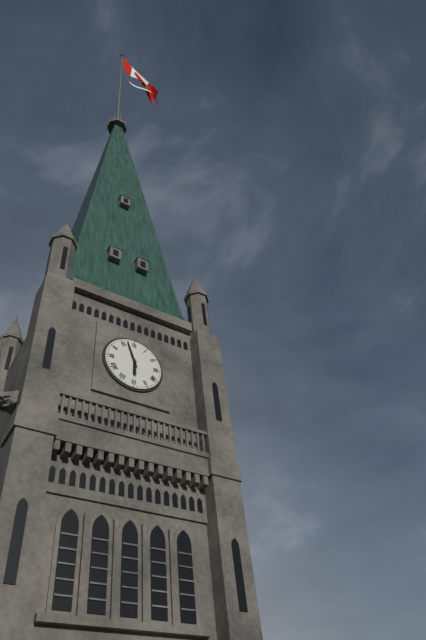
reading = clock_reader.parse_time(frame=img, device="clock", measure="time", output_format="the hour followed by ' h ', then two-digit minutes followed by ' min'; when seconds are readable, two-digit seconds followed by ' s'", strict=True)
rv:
5 h 57 min
